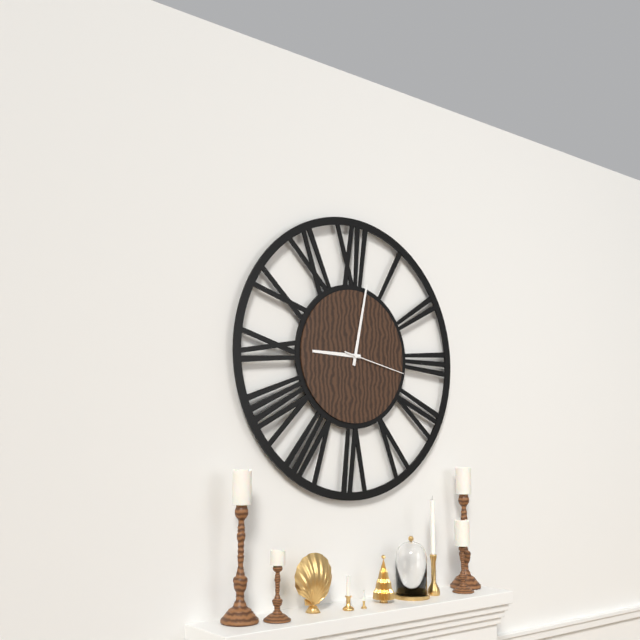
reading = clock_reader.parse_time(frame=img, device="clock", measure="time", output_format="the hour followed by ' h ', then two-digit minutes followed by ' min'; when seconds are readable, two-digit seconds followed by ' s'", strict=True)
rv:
9 h 02 min 17 s
